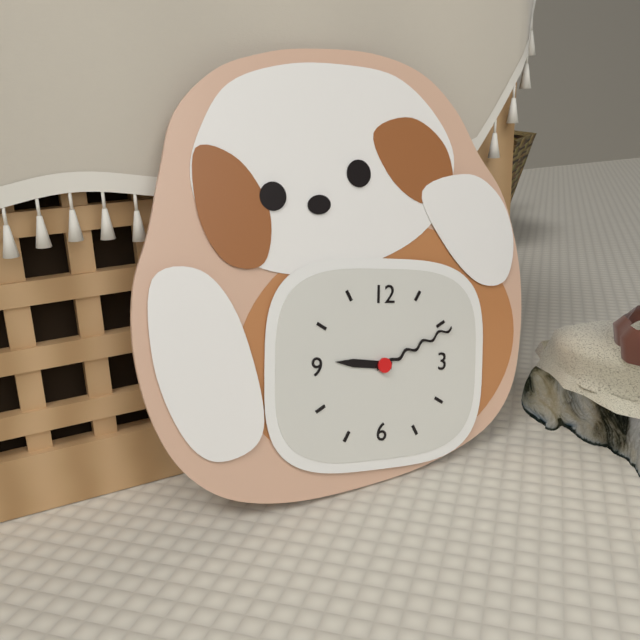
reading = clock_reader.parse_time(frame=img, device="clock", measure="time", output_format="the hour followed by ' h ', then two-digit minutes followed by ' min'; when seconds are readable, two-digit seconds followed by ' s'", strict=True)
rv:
9 h 11 min
